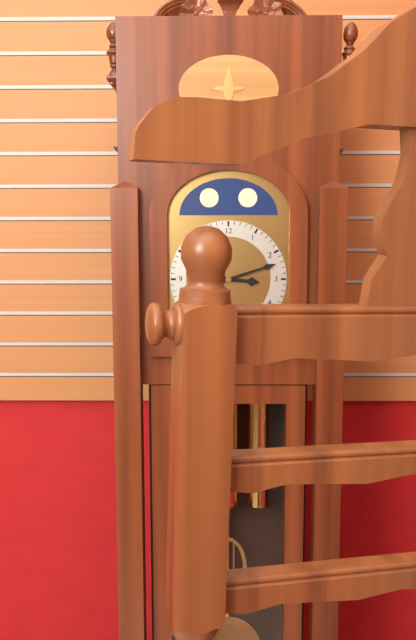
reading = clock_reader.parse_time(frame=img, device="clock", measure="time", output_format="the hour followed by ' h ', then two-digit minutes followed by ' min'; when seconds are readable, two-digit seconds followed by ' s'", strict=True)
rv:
3 h 12 min
